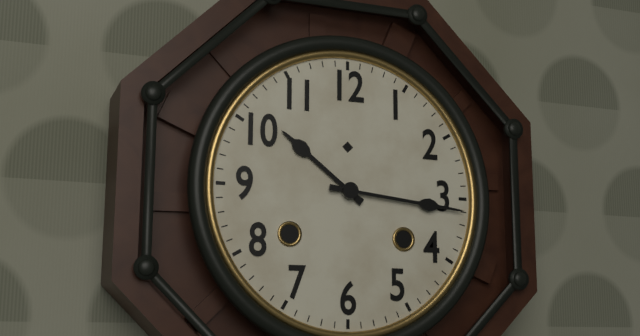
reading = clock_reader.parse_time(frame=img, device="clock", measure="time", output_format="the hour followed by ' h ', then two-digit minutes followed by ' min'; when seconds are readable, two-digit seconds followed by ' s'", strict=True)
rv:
10 h 16 min
